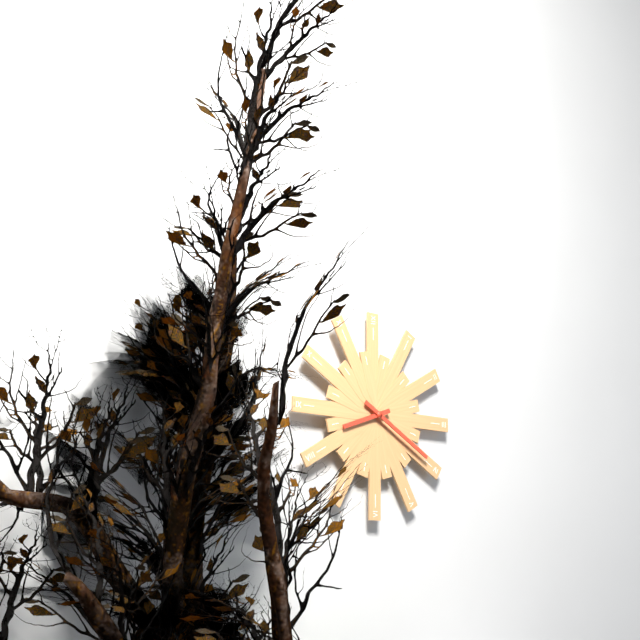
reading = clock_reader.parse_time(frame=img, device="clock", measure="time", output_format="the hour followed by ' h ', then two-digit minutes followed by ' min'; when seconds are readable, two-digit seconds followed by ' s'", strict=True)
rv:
8 h 20 min
